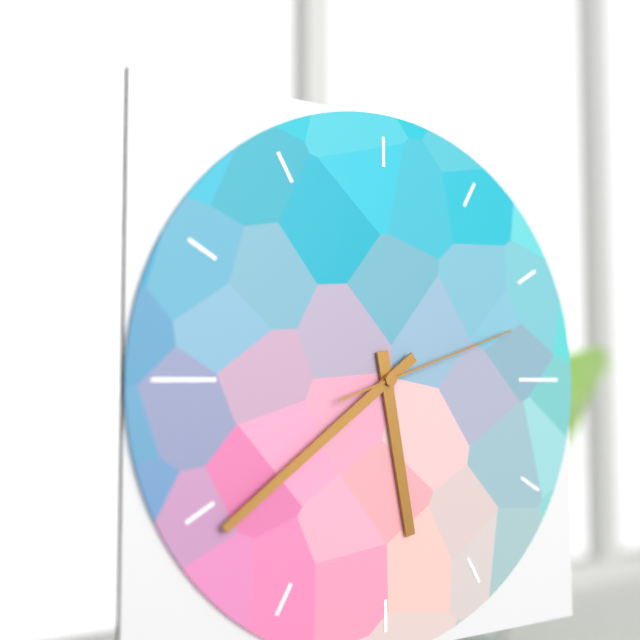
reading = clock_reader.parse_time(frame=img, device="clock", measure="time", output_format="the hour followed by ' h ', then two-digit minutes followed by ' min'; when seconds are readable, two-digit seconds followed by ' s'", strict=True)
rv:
5 h 39 min 12 s
